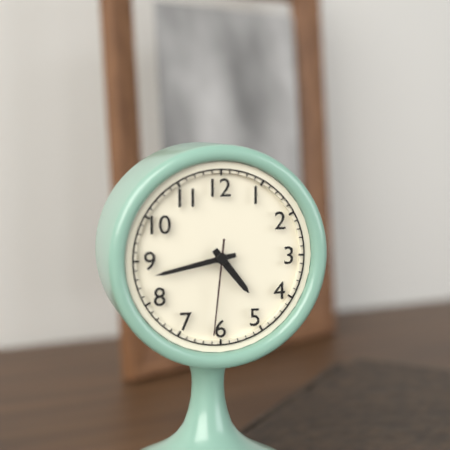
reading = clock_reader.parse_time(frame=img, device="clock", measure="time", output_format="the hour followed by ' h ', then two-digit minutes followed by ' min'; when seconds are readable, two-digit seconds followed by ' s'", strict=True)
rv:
4 h 43 min 31 s
